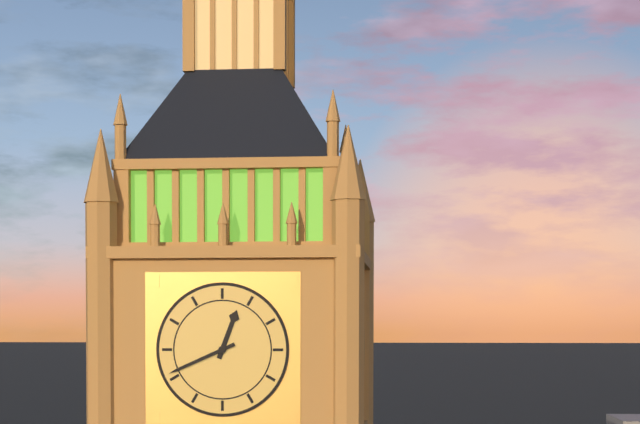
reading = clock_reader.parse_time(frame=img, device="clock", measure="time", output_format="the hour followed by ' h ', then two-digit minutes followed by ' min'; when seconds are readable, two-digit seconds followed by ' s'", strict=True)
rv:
12 h 41 min
